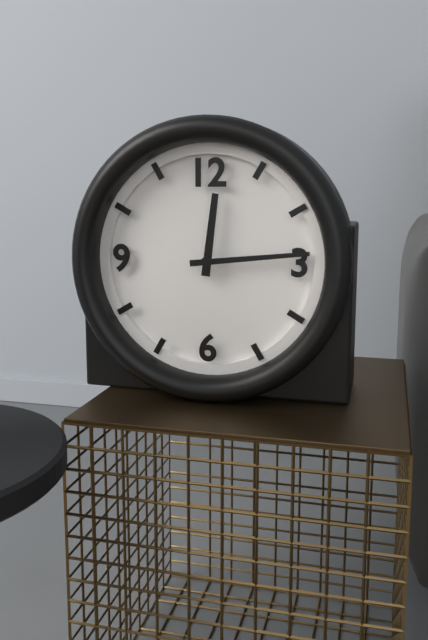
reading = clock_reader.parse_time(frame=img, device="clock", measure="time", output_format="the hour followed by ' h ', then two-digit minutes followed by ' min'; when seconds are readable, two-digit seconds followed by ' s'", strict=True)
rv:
12 h 14 min
